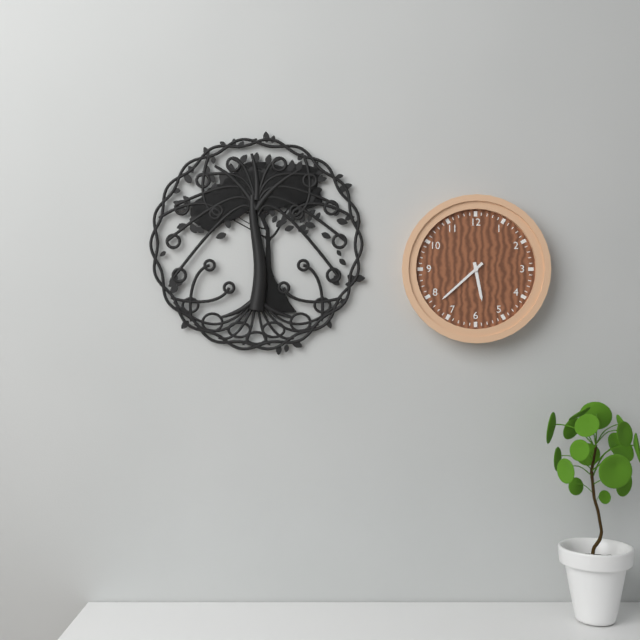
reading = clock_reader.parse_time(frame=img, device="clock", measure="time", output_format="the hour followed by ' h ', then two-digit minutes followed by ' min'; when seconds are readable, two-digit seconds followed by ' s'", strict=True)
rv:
5 h 38 min
